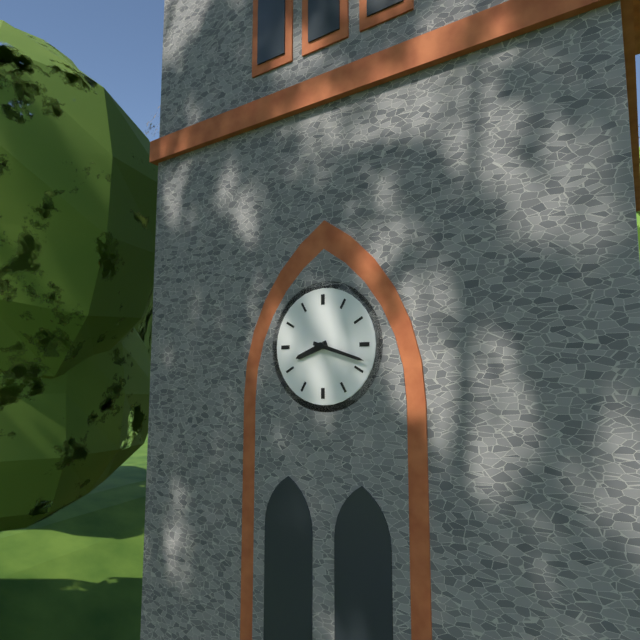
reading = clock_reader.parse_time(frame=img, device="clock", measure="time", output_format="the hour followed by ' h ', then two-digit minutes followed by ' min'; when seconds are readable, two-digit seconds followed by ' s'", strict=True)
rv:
8 h 18 min
